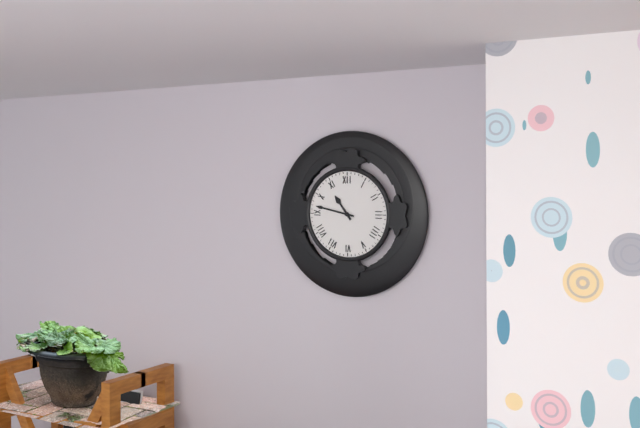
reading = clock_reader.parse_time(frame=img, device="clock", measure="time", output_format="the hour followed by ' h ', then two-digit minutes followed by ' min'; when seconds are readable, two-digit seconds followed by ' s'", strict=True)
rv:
10 h 47 min
